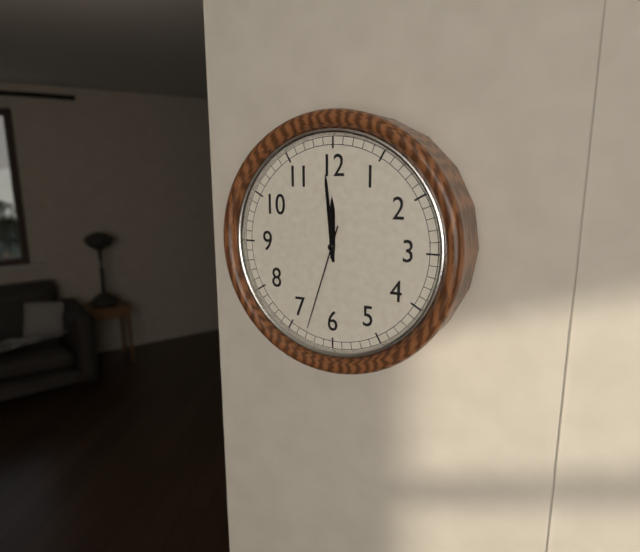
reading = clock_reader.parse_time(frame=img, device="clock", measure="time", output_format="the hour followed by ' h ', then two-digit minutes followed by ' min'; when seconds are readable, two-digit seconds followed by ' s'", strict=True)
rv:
11 h 59 min 33 s
